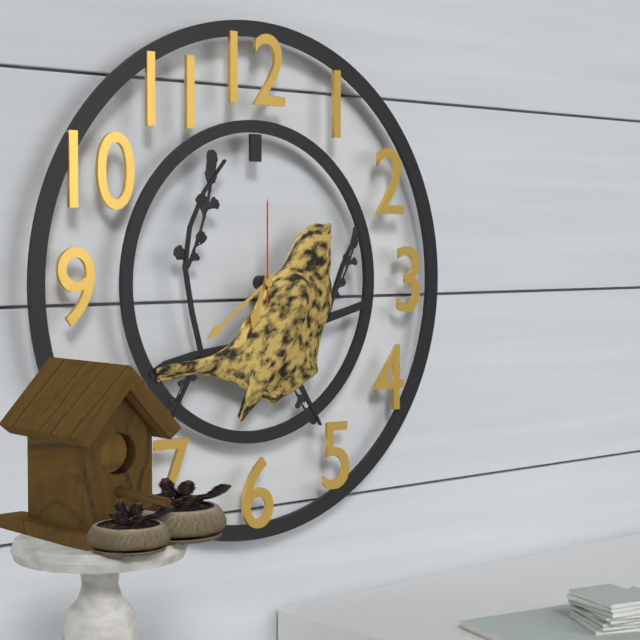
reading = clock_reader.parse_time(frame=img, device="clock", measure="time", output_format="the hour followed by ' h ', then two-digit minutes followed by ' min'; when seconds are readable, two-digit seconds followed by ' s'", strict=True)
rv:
6 h 39 min 00 s
